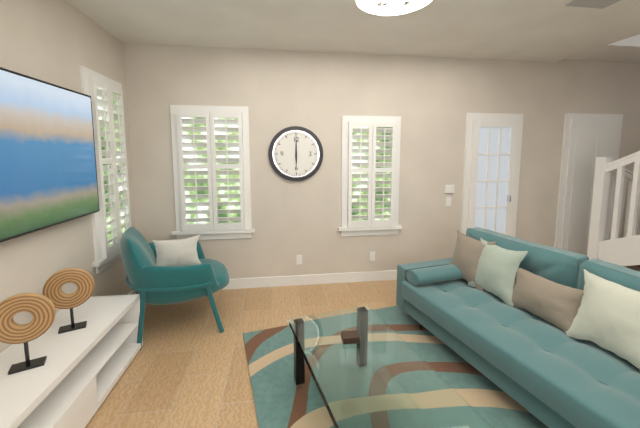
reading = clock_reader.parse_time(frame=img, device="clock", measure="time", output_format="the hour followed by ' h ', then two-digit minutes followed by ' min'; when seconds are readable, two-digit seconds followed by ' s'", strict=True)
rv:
6 h 00 min
